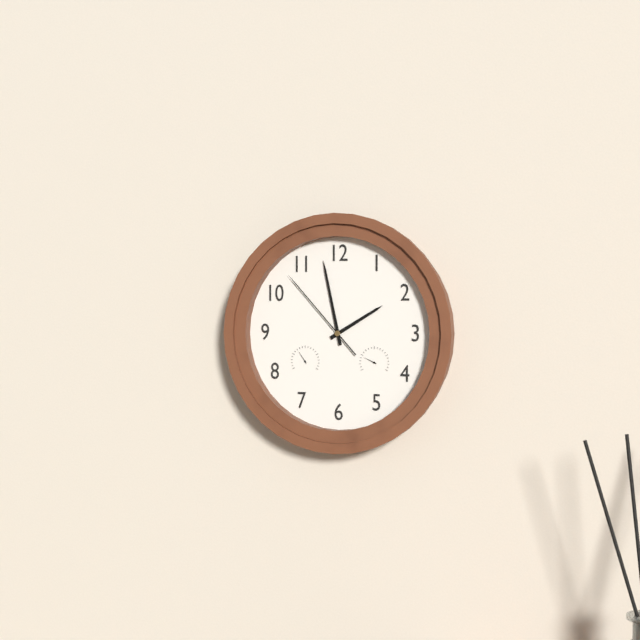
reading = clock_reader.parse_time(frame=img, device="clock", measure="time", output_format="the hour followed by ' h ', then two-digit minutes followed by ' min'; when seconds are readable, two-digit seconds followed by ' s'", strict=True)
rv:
1 h 58 min 53 s
